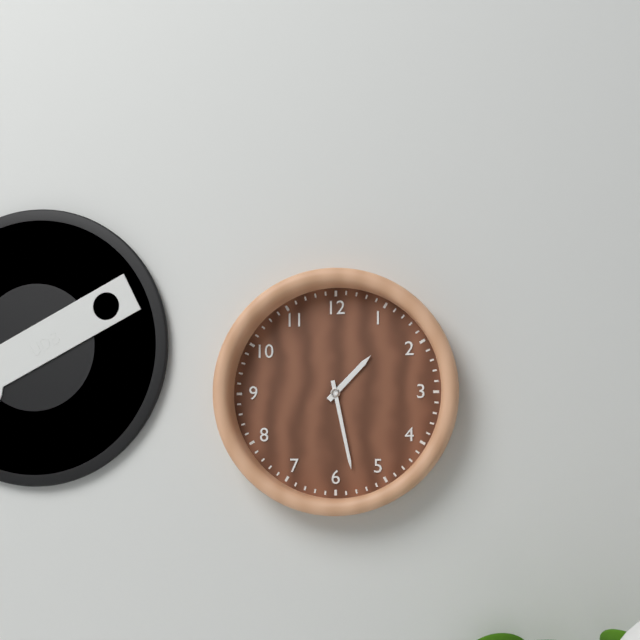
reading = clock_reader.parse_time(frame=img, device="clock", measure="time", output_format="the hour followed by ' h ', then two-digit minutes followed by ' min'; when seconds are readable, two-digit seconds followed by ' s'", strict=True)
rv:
1 h 28 min
